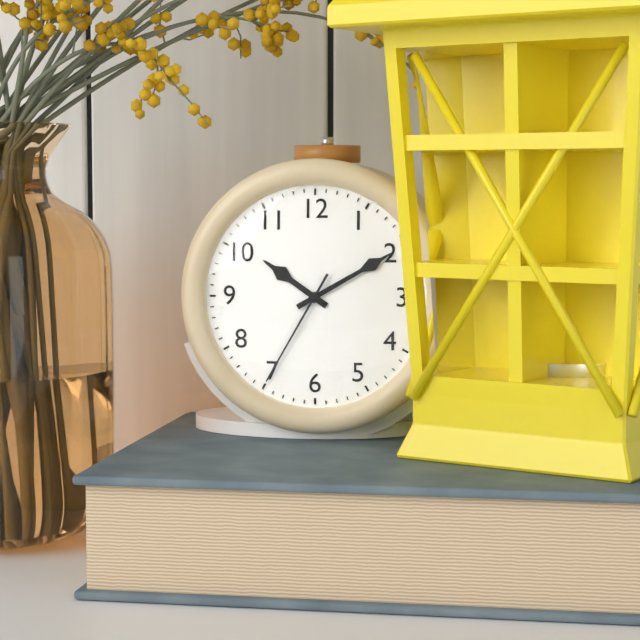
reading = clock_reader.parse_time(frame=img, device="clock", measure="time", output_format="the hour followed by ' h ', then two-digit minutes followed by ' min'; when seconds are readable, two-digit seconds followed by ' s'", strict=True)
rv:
10 h 10 min 35 s
